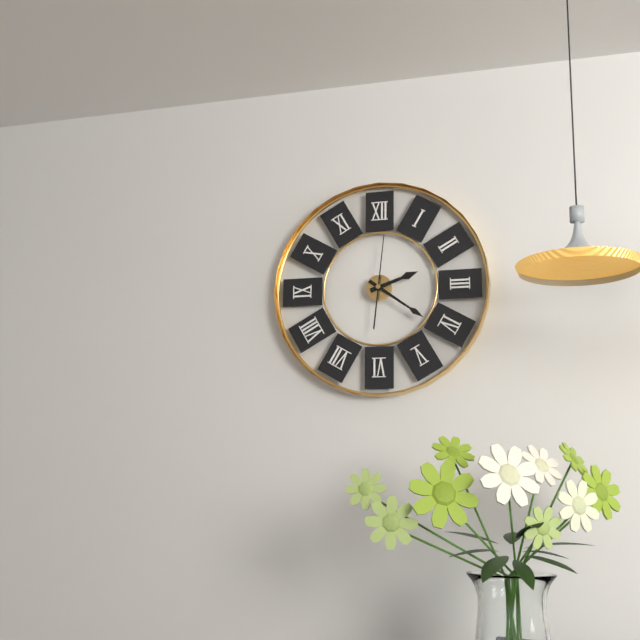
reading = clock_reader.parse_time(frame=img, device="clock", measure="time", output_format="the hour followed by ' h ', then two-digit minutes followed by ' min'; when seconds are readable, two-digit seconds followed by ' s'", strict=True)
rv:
2 h 21 min 01 s
